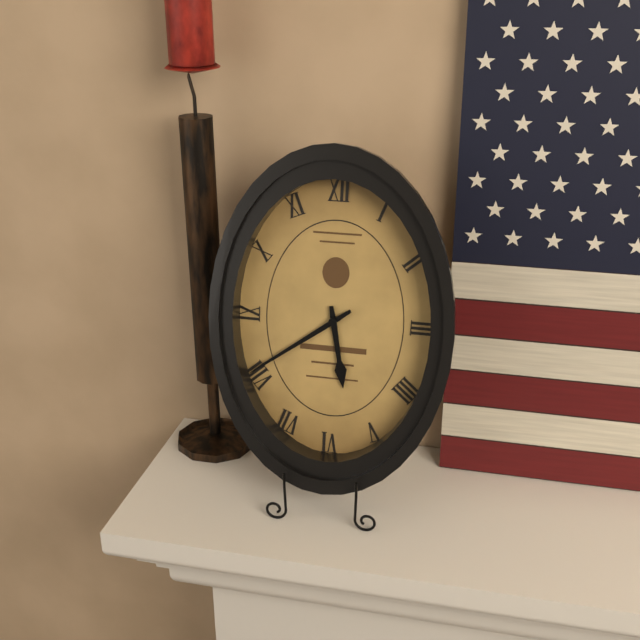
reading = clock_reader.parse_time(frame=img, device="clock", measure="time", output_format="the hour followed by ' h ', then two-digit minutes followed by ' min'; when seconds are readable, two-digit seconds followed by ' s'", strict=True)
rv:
5 h 39 min
